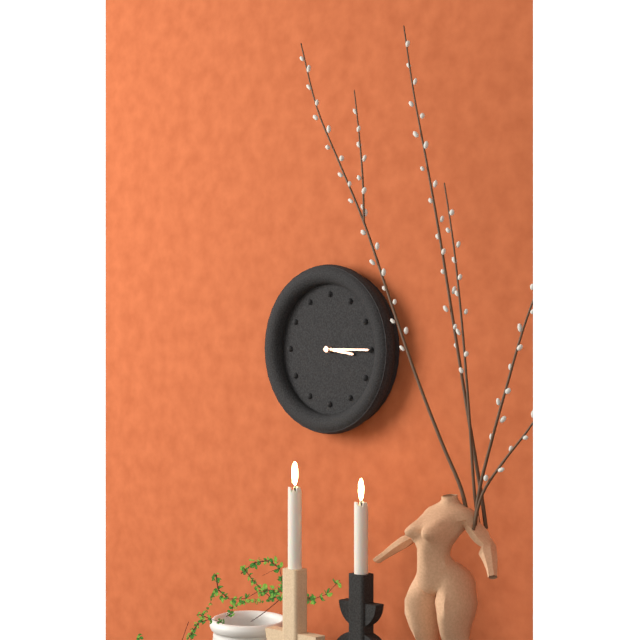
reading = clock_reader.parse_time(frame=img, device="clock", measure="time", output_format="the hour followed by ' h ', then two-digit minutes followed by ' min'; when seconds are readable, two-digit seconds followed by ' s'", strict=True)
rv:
3 h 15 min
